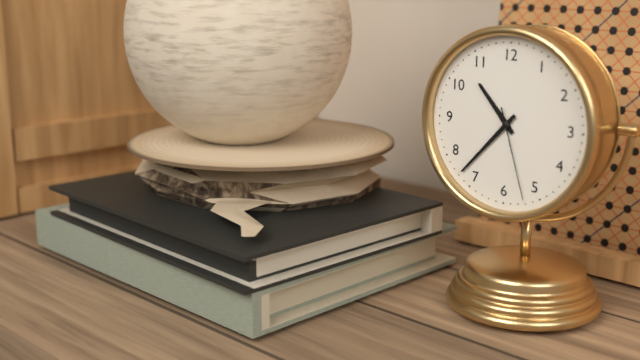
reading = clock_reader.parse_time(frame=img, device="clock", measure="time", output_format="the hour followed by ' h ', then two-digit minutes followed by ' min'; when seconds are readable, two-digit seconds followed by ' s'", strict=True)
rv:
10 h 37 min 27 s
